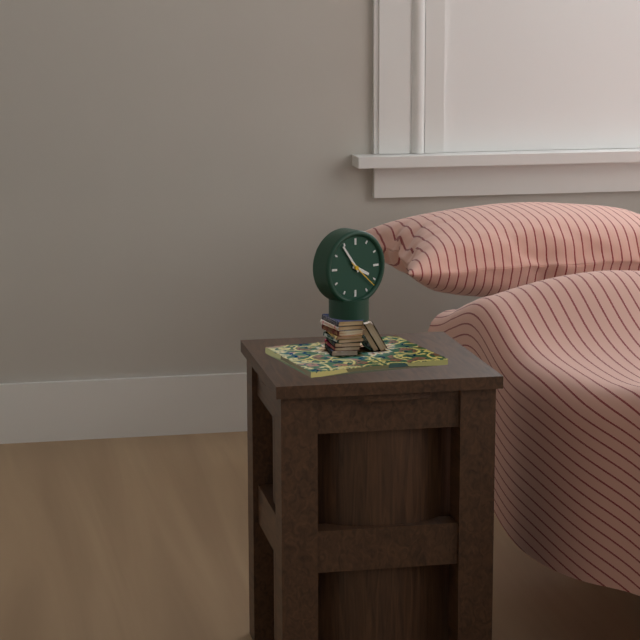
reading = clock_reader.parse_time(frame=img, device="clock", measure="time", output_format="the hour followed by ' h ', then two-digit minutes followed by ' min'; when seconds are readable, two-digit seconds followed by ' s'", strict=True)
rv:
3 h 54 min
